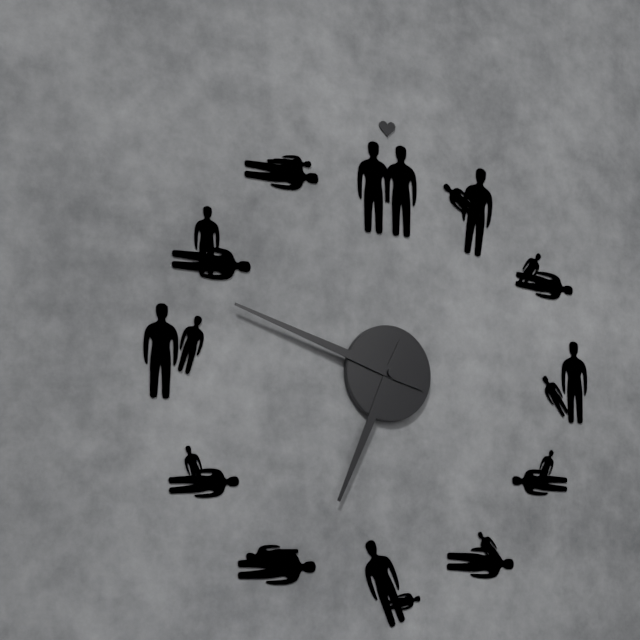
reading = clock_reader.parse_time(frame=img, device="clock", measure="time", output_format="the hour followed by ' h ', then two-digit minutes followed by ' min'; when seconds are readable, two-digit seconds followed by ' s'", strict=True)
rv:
6 h 48 min
